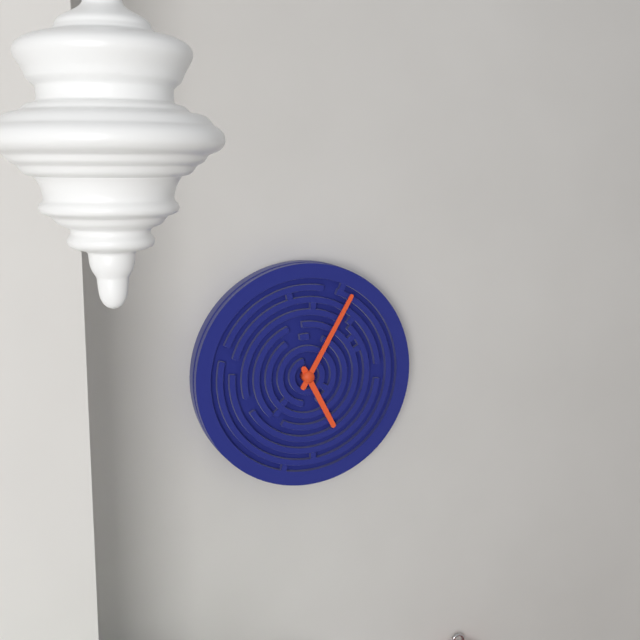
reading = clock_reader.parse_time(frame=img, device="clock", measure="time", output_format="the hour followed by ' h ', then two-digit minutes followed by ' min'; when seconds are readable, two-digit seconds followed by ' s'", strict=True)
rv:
5 h 05 min
